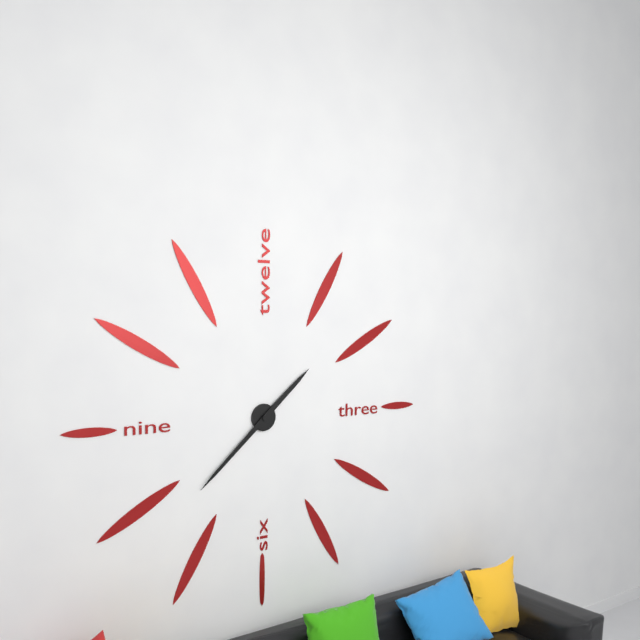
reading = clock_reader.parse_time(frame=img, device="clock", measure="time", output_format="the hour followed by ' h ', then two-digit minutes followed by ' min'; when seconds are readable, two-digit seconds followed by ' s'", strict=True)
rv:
1 h 38 min
